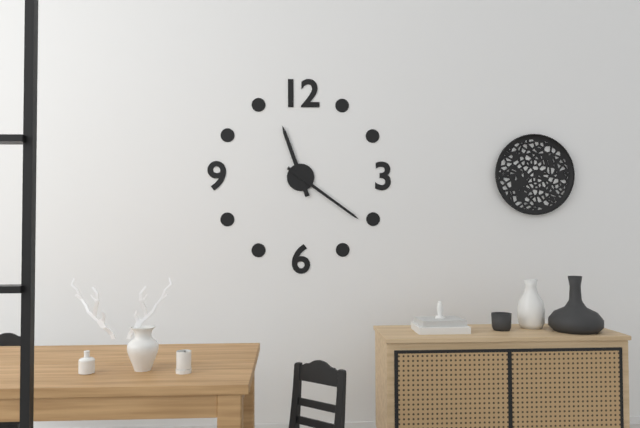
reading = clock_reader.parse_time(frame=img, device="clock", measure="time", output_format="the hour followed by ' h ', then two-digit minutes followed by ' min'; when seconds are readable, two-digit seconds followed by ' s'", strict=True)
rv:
11 h 21 min
